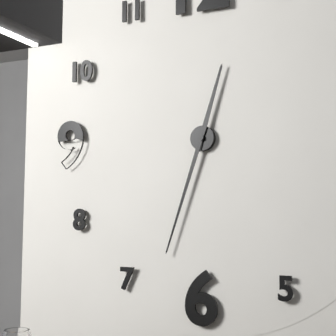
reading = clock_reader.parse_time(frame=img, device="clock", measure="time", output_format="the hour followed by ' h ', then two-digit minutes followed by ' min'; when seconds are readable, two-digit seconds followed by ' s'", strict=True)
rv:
12 h 33 min
